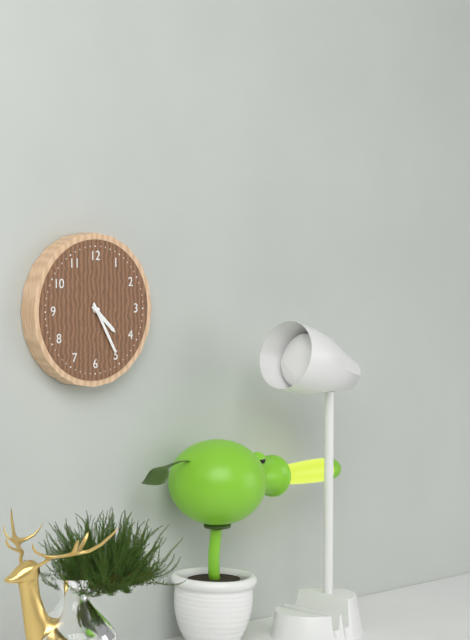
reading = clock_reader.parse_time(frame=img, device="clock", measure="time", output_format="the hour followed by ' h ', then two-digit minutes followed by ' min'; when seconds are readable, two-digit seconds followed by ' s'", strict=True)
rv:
4 h 25 min
